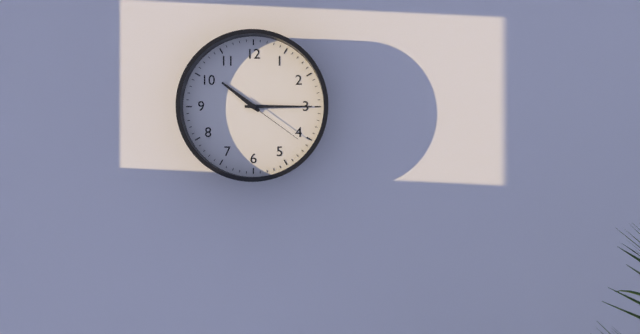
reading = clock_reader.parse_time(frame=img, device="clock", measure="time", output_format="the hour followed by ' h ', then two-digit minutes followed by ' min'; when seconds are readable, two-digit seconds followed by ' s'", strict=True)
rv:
10 h 15 min 21 s
